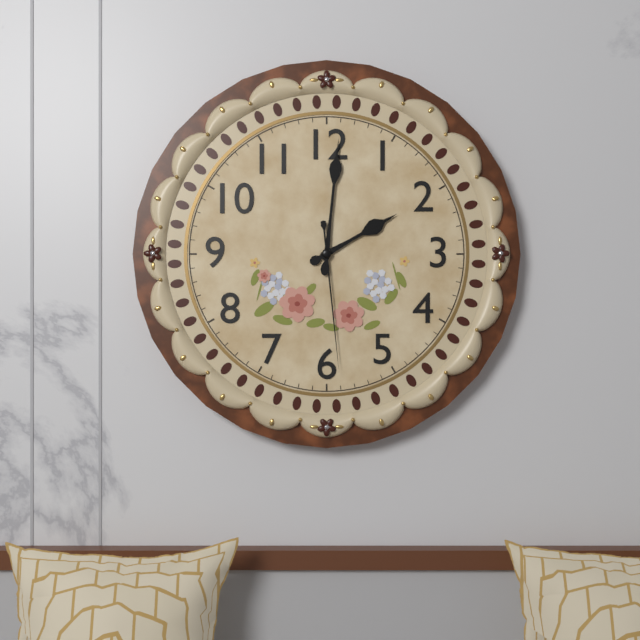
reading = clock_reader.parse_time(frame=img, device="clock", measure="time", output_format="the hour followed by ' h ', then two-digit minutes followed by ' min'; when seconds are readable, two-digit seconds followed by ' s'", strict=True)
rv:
2 h 01 min 29 s
